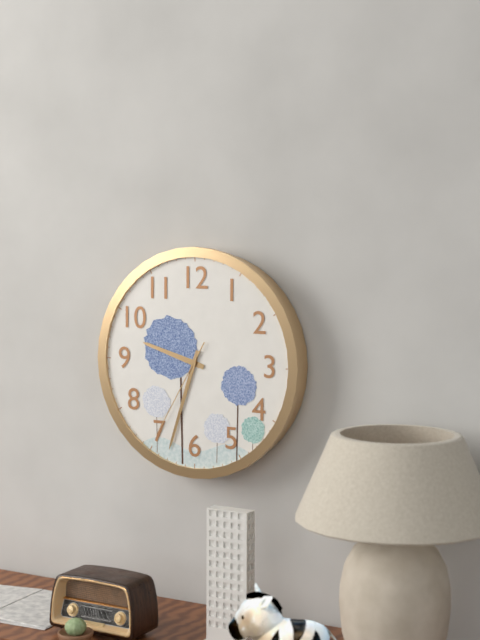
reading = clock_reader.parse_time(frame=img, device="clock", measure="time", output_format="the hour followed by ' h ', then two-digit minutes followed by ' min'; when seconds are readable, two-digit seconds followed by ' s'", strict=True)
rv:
9 h 33 min 35 s
